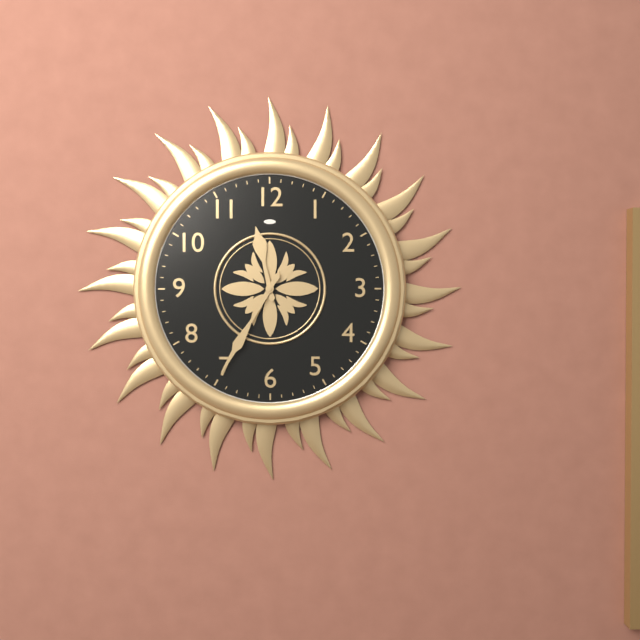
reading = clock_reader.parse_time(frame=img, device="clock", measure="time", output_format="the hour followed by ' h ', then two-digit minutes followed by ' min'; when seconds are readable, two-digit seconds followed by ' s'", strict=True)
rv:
11 h 35 min
